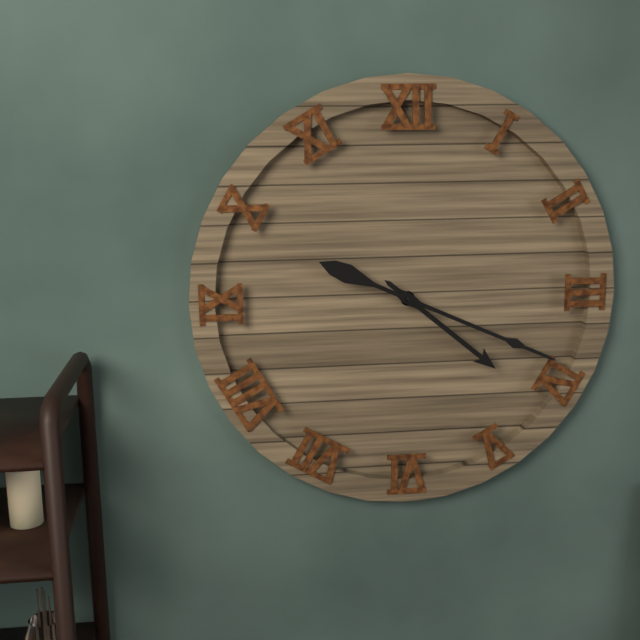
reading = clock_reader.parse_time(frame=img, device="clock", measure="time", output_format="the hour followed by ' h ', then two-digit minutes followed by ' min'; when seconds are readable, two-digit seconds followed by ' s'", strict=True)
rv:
4 h 19 min
